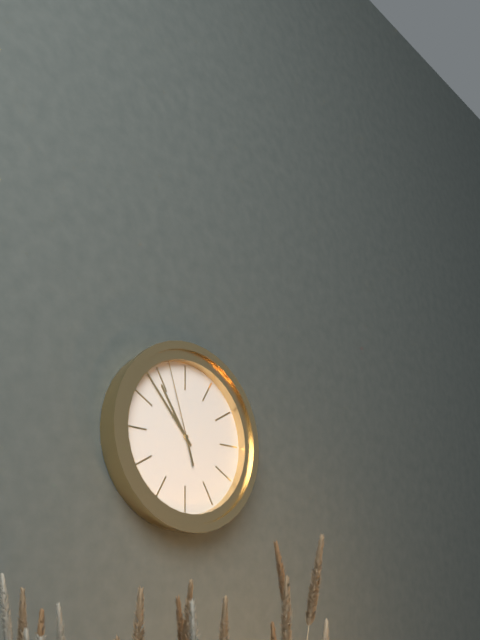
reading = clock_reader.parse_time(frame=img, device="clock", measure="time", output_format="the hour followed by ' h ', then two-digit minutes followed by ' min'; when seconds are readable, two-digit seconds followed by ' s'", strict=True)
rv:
10 h 53 min 57 s
